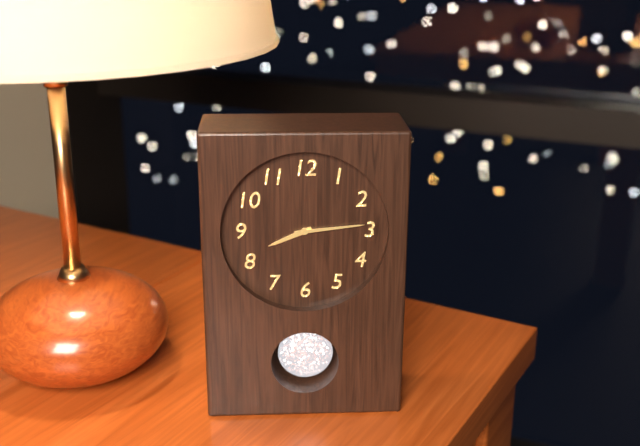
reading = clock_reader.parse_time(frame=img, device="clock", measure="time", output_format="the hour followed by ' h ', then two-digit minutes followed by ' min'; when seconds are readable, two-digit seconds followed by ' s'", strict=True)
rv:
8 h 14 min
